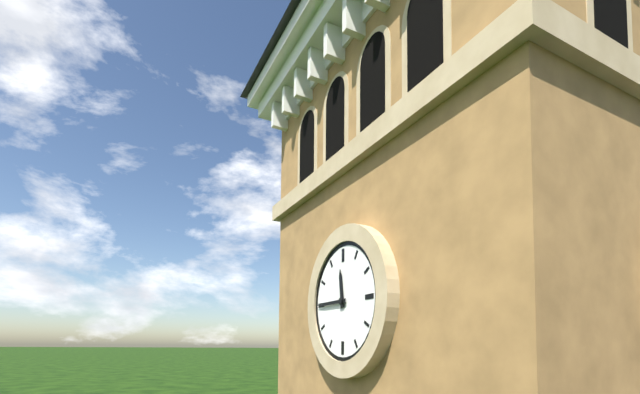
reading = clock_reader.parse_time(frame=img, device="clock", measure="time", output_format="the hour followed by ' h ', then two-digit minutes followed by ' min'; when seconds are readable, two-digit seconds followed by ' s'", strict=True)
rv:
11 h 45 min
